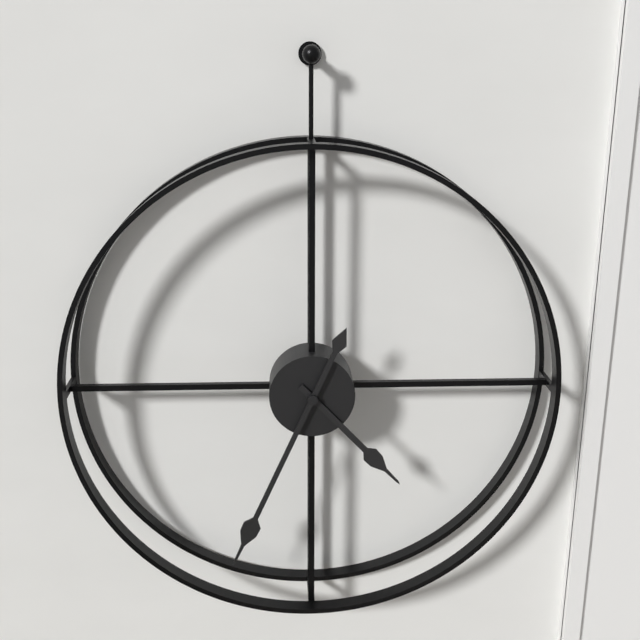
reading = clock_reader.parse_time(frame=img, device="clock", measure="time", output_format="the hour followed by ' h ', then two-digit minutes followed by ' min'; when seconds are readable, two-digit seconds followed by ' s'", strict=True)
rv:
4 h 34 min
